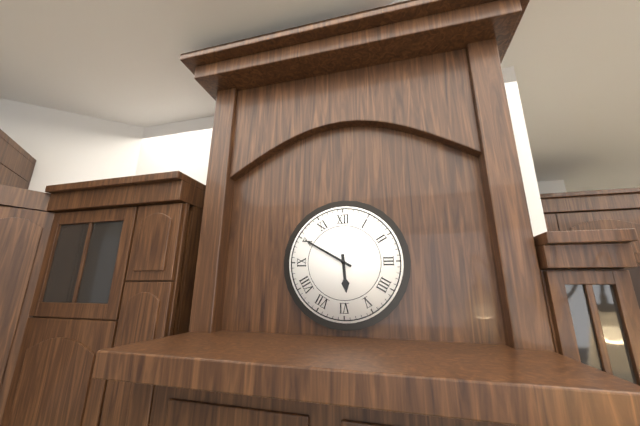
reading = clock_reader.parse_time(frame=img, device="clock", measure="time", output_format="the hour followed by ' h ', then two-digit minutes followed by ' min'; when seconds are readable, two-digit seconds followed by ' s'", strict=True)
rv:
5 h 50 min
